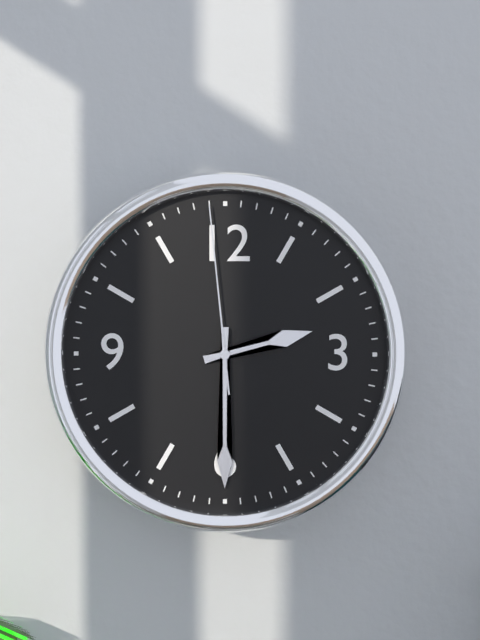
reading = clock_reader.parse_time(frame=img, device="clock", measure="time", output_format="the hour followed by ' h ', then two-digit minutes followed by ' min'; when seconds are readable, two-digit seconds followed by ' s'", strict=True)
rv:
2 h 30 min 59 s
